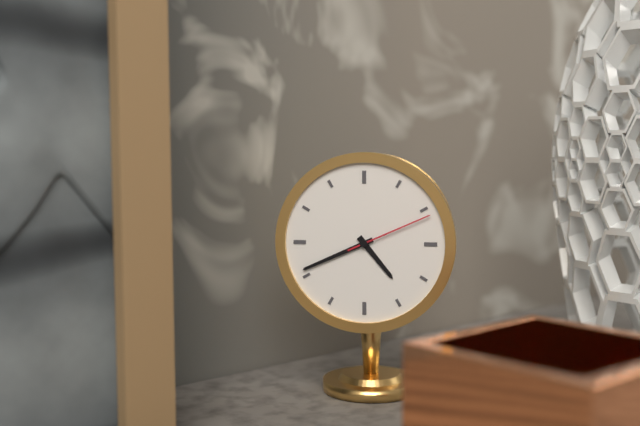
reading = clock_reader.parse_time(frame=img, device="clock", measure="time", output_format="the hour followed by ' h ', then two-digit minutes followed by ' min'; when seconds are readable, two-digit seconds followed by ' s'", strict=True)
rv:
4 h 41 min 11 s
